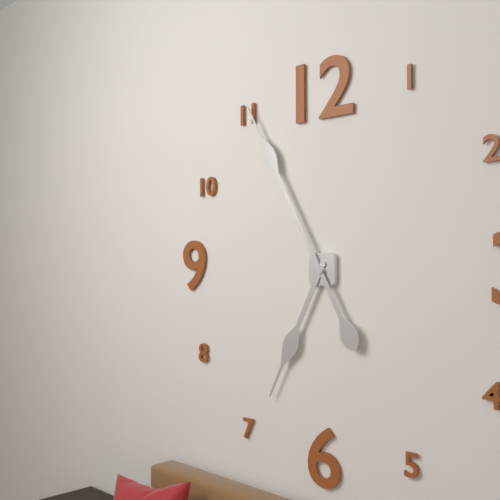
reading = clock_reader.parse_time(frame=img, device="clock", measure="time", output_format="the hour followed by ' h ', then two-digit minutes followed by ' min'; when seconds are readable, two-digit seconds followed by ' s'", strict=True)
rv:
6 h 55 min
